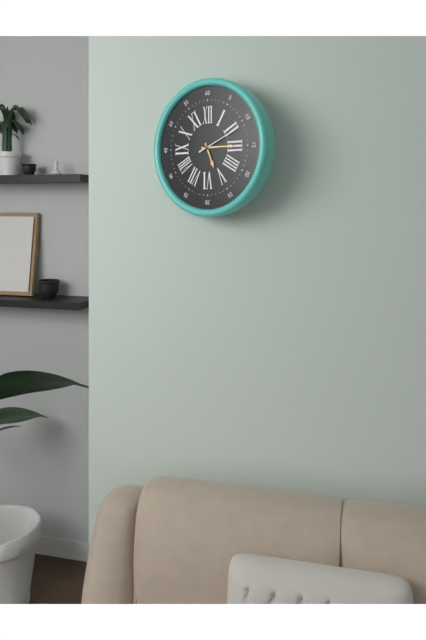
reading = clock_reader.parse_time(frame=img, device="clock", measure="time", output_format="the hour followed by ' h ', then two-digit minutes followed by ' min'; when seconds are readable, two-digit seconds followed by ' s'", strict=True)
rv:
5 h 15 min
